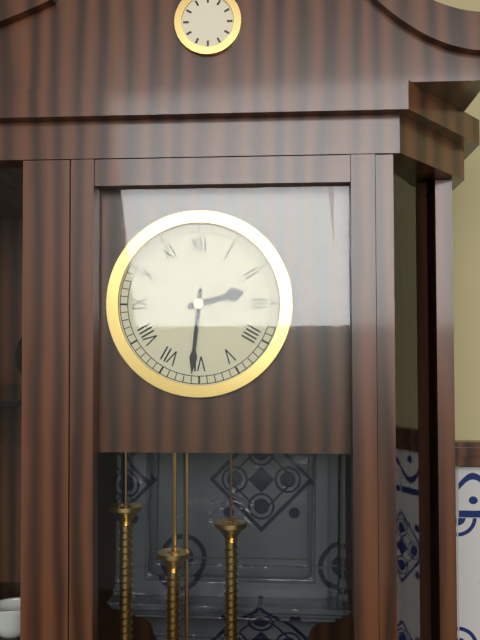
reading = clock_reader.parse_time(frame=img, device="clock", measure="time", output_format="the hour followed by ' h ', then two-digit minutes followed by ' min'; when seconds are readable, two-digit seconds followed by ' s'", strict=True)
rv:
2 h 31 min
